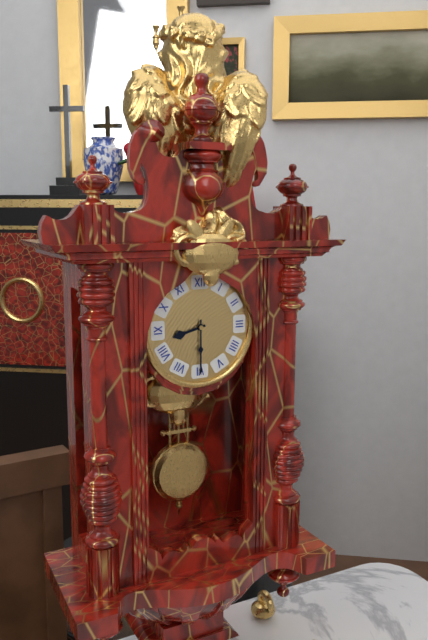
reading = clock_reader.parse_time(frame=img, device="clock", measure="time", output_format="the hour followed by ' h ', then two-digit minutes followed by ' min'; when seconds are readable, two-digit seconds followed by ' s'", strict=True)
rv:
8 h 30 min
